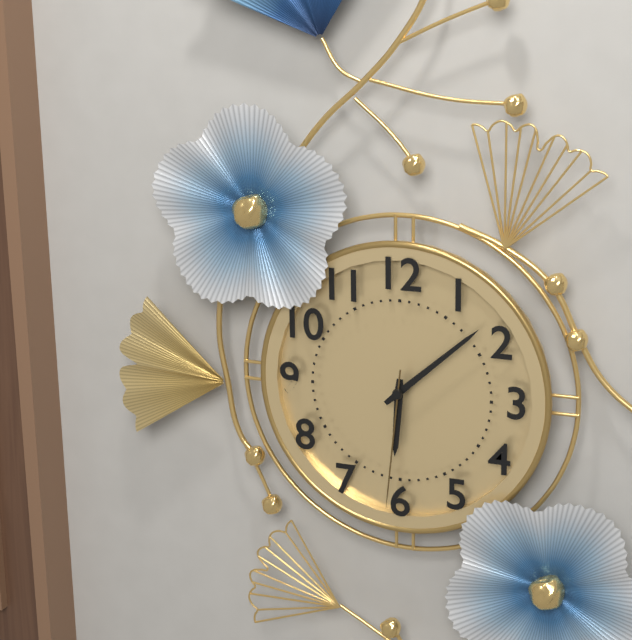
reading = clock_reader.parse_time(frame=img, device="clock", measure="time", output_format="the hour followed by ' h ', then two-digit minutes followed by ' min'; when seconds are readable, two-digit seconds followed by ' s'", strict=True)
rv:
6 h 08 min 31 s
